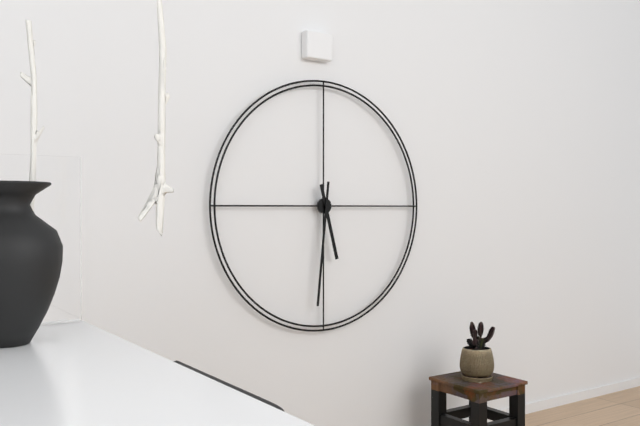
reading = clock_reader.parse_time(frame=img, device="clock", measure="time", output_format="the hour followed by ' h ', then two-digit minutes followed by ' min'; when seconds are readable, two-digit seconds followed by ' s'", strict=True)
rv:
5 h 31 min
